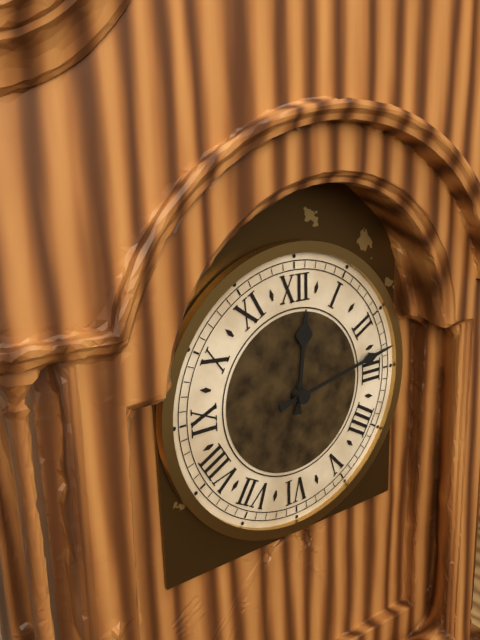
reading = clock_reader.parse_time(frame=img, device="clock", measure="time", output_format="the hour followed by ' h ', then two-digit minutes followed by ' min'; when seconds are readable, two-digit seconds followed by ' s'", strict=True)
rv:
12 h 13 min
